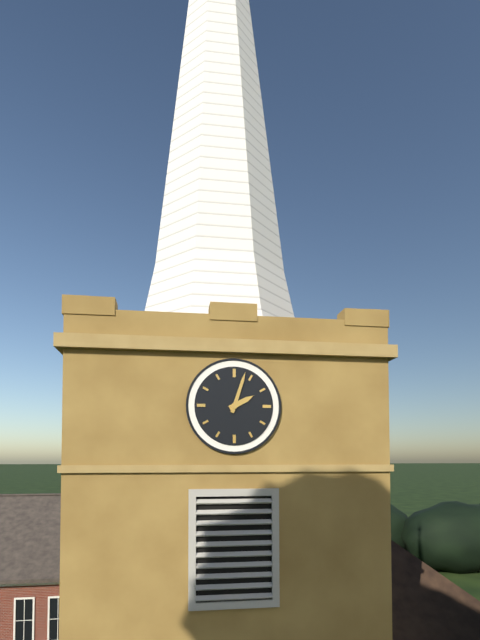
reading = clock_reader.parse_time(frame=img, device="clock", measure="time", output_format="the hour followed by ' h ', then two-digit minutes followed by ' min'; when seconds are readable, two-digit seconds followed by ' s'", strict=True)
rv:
2 h 03 min
